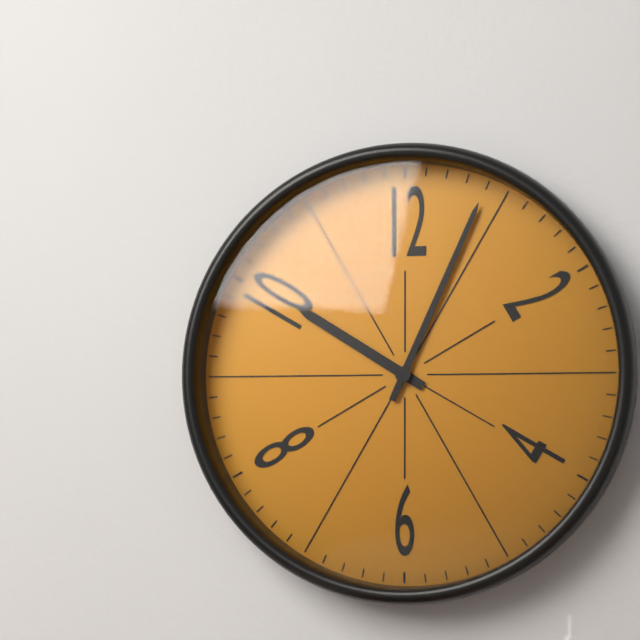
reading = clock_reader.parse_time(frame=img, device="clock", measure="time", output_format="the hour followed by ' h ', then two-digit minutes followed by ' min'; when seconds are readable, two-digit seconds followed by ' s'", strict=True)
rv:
10 h 04 min
